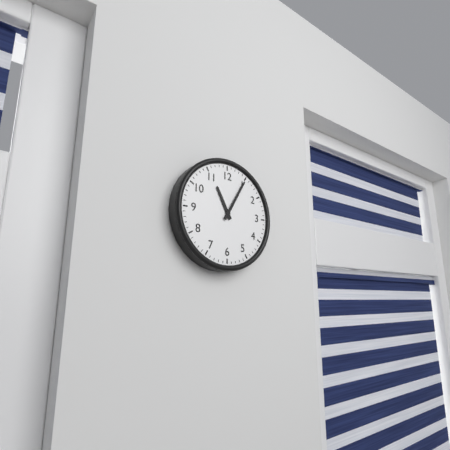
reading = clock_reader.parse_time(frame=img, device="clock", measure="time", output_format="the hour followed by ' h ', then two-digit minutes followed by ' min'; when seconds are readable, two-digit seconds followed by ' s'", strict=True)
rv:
11 h 05 min
